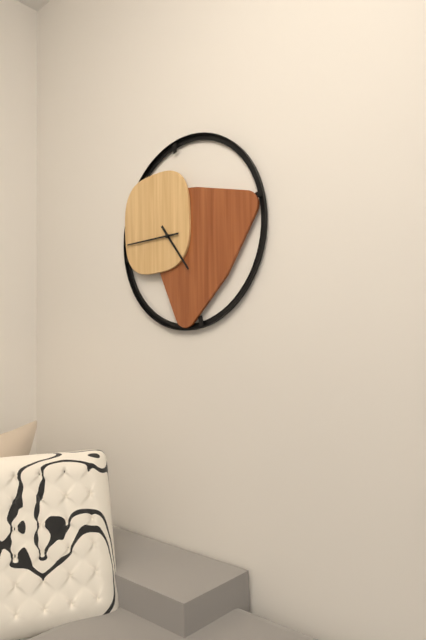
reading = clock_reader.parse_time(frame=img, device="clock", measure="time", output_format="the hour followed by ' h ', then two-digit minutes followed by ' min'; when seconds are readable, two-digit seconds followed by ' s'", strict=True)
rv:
4 h 45 min
